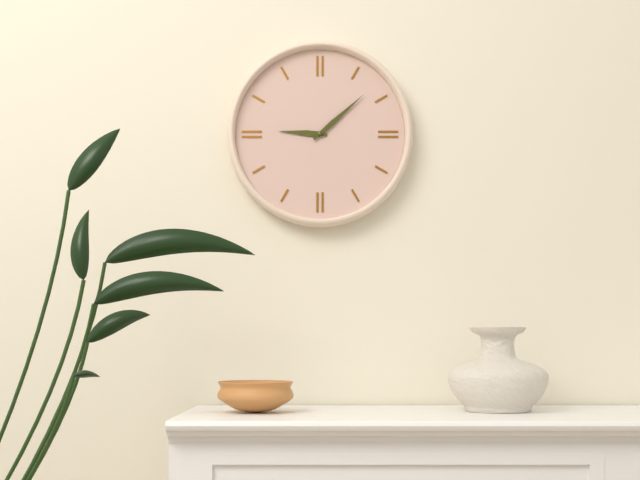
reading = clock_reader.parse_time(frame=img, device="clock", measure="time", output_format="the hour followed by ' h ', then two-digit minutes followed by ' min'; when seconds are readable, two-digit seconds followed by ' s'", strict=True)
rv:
9 h 08 min
